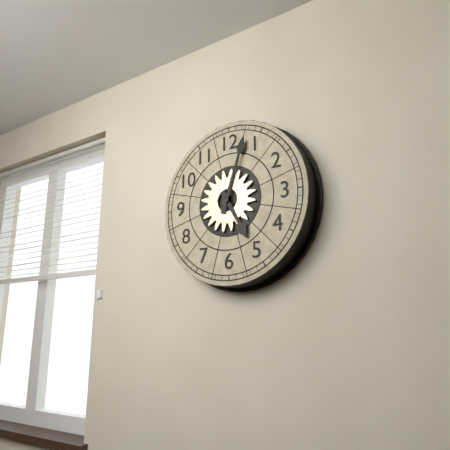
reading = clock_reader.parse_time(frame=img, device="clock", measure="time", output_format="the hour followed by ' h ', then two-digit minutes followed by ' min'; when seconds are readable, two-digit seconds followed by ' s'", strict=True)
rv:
5 h 03 min
